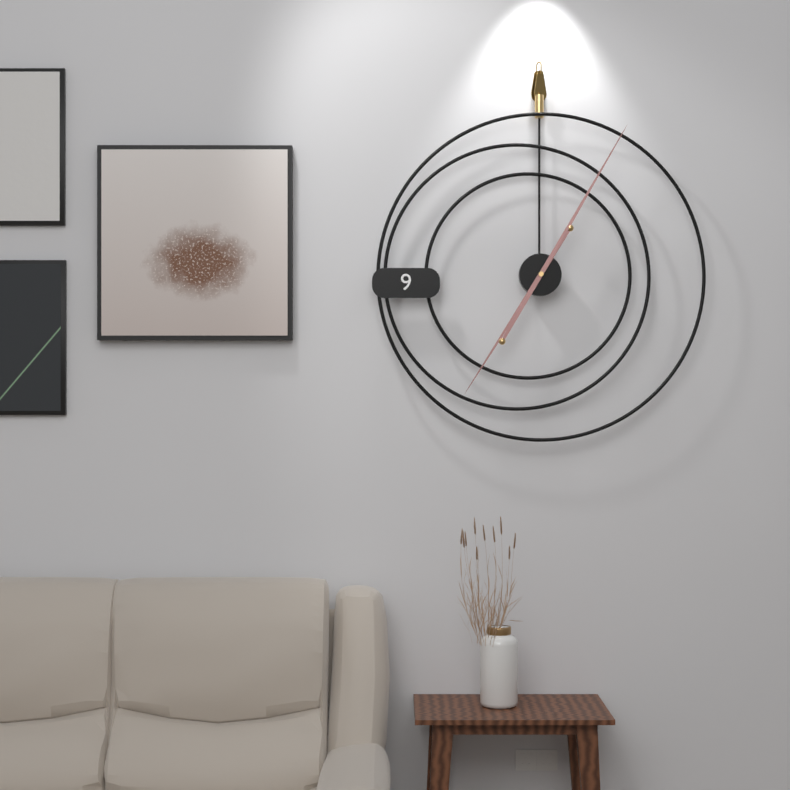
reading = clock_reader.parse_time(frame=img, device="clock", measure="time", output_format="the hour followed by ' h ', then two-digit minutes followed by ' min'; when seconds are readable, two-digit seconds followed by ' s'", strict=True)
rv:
7 h 05 min
